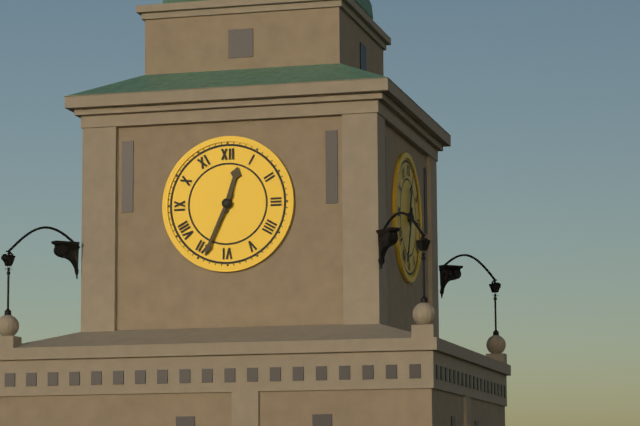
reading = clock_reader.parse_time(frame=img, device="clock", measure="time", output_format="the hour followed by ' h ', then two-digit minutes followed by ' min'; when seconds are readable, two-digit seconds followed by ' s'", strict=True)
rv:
12 h 34 min
